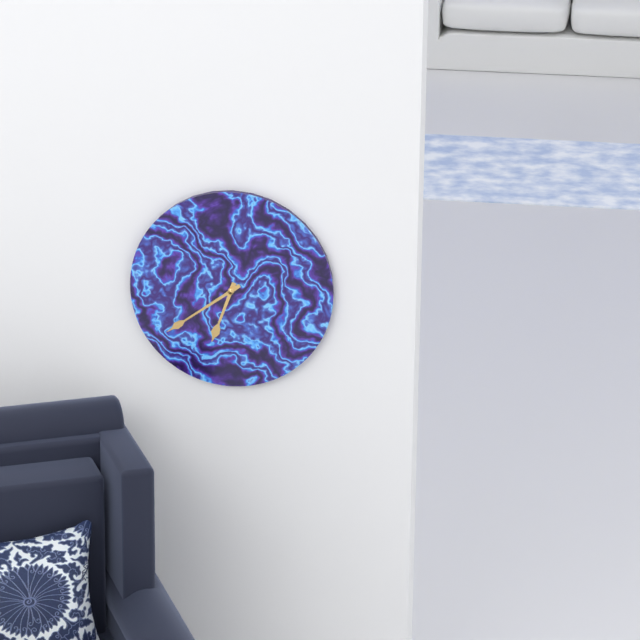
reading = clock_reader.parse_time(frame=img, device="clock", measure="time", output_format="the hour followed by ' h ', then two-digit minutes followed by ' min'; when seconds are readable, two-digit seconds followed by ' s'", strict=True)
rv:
6 h 39 min
